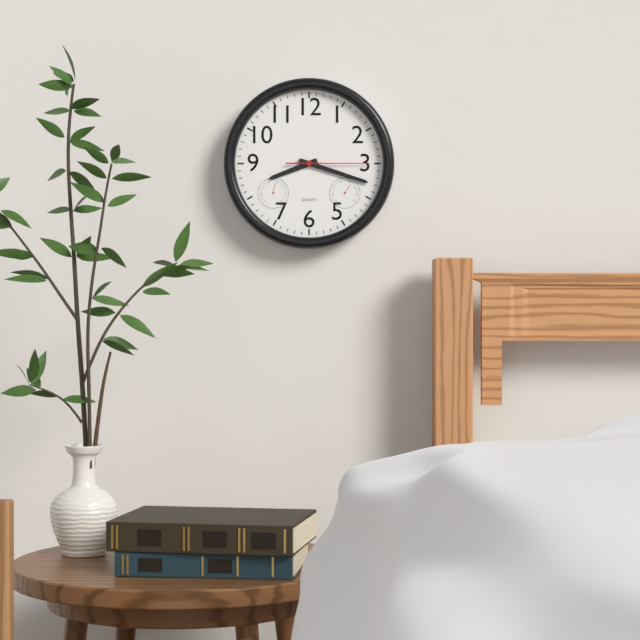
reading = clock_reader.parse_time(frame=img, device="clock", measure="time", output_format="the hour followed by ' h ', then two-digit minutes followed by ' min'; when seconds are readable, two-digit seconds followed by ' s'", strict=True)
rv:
8 h 18 min 15 s
